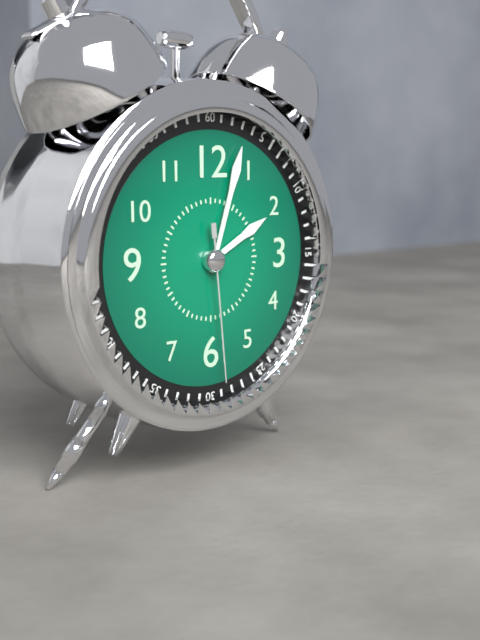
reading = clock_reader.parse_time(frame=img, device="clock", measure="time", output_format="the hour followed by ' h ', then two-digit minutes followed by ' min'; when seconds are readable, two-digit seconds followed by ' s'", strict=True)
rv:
2 h 03 min 29 s
